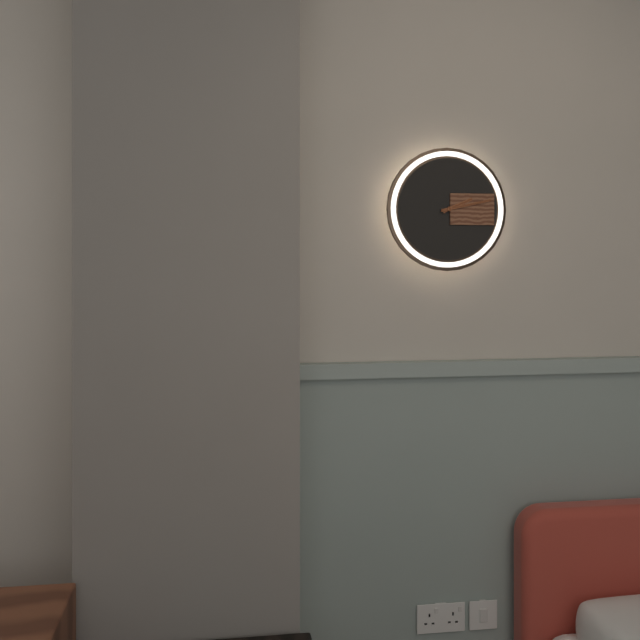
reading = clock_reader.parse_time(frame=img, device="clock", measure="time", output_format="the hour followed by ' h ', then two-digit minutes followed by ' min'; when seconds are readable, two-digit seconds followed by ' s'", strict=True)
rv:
2 h 13 min
